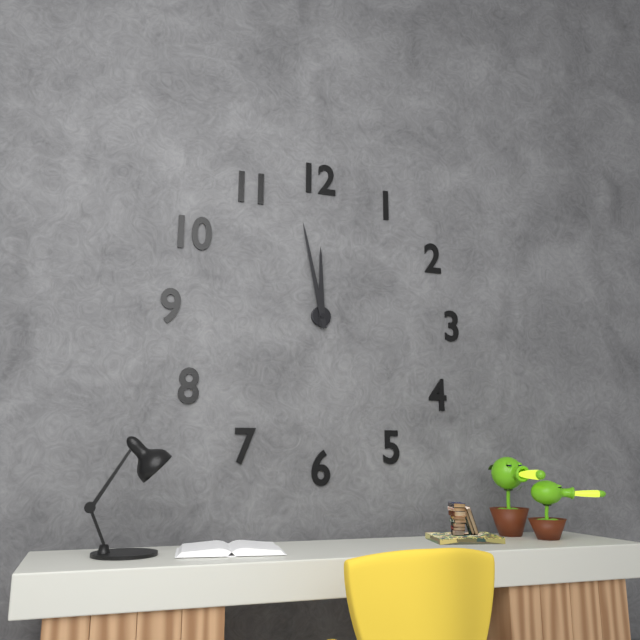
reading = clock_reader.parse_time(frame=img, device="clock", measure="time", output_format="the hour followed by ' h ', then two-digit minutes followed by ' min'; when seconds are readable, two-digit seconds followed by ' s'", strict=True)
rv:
11 h 58 min
